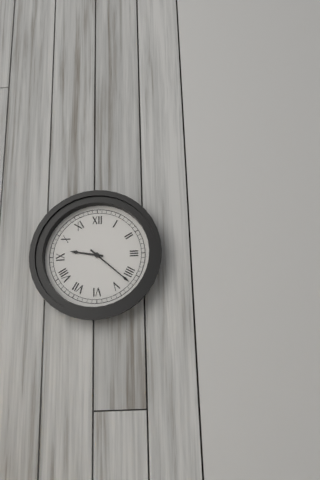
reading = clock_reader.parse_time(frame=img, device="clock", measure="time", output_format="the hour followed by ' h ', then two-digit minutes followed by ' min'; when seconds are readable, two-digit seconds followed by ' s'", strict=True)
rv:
9 h 22 min
